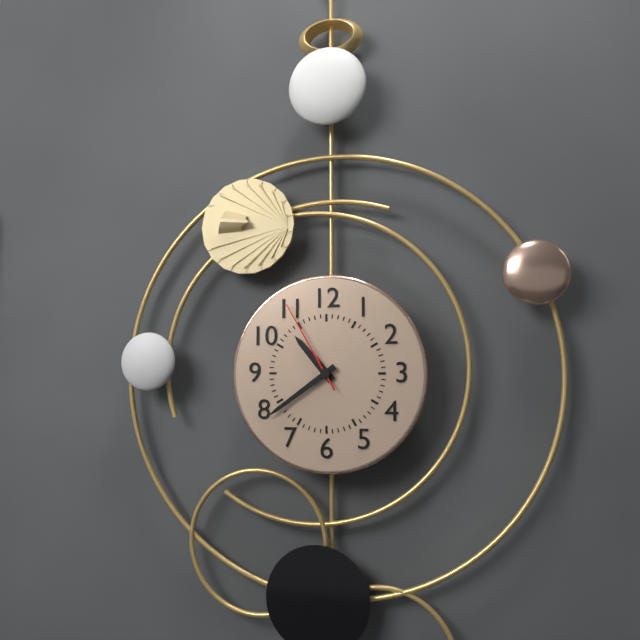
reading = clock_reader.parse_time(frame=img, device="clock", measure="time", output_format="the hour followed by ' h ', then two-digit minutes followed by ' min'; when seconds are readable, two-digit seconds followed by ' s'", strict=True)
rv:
10 h 39 min 55 s
